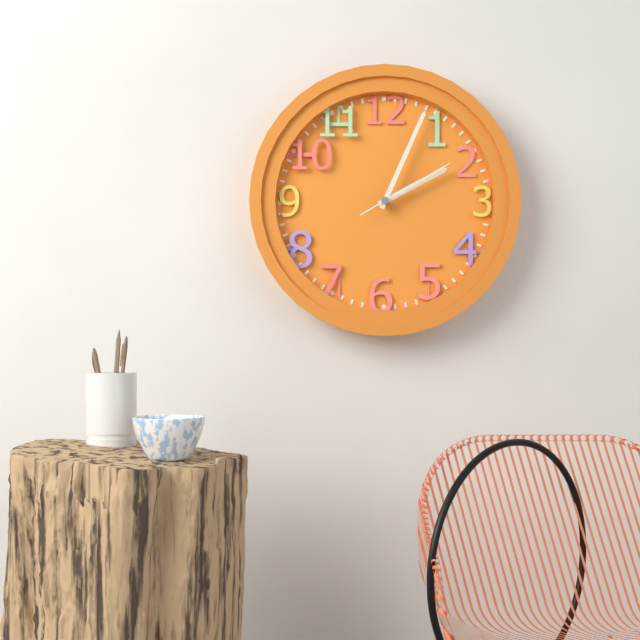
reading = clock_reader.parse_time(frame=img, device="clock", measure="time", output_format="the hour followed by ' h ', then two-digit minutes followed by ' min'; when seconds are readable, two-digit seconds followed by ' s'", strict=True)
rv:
2 h 04 min 10 s
